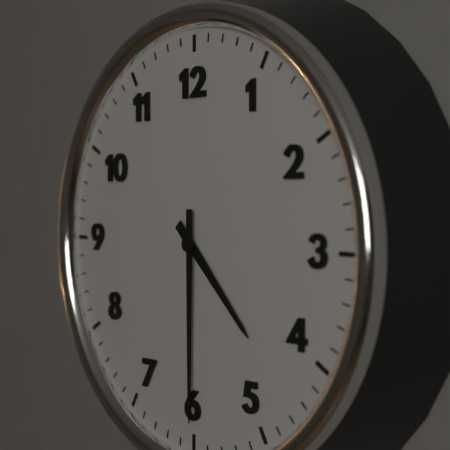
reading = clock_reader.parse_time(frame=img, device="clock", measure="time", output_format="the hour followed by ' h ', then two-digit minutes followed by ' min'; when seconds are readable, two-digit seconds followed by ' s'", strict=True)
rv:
4 h 30 min
